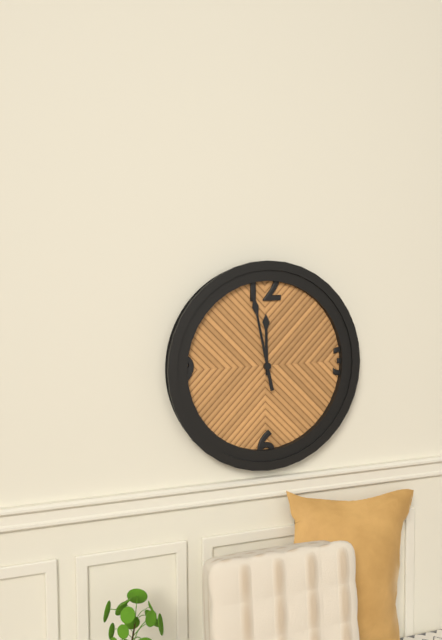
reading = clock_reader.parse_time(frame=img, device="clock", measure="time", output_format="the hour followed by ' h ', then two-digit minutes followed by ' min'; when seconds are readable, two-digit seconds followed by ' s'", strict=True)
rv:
11 h 58 min
